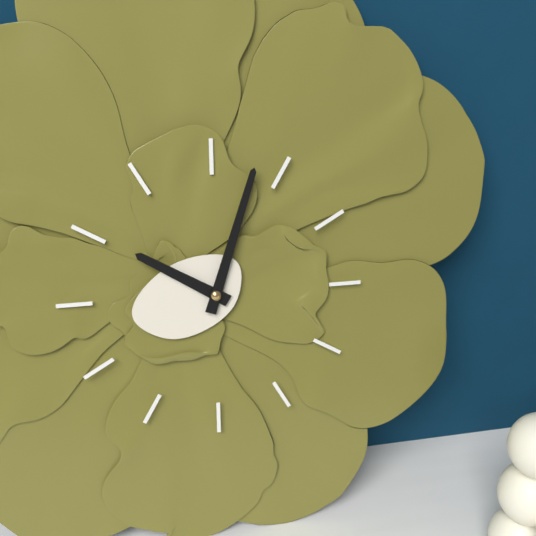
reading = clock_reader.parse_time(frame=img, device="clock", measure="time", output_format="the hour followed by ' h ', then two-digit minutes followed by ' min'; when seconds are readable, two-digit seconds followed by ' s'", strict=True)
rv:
10 h 03 min
